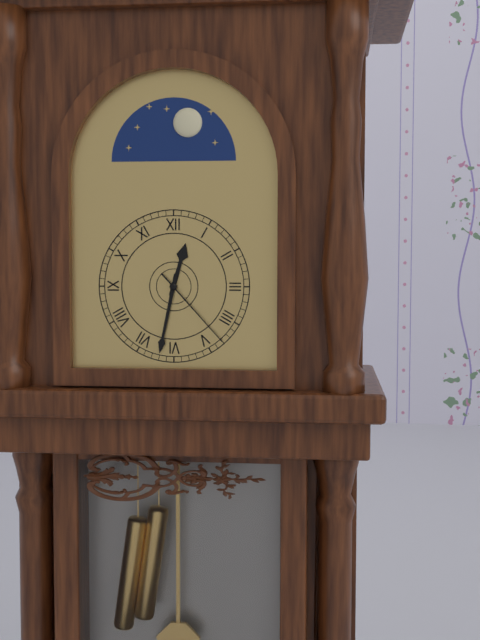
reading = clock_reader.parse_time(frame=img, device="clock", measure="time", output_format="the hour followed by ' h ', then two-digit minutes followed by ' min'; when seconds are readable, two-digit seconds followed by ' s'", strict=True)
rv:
12 h 32 min 23 s
